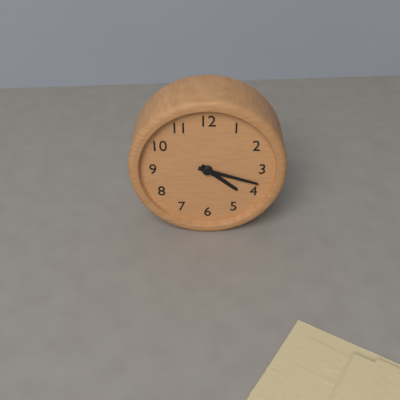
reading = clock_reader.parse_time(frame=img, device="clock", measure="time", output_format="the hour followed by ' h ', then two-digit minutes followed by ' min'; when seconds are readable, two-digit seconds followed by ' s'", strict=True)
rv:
4 h 18 min
